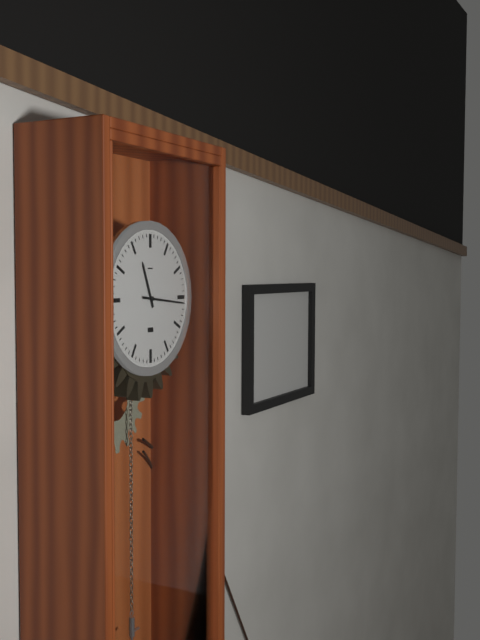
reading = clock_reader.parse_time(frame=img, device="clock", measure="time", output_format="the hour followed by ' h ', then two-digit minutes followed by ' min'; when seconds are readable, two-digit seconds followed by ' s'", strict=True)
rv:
11 h 16 min
